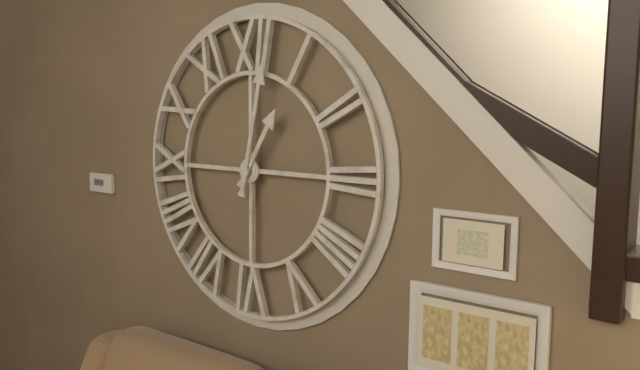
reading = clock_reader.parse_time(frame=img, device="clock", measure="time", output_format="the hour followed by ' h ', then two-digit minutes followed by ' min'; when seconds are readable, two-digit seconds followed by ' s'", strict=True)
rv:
1 h 02 min
